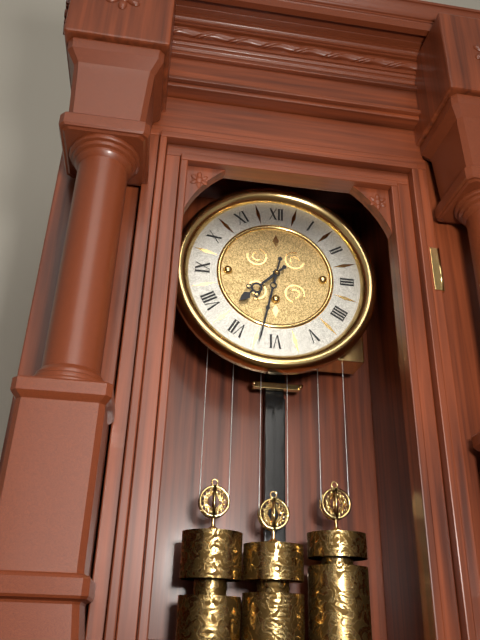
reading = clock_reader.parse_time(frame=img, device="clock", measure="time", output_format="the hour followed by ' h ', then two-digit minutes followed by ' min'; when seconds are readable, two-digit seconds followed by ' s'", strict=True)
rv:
7 h 32 min
